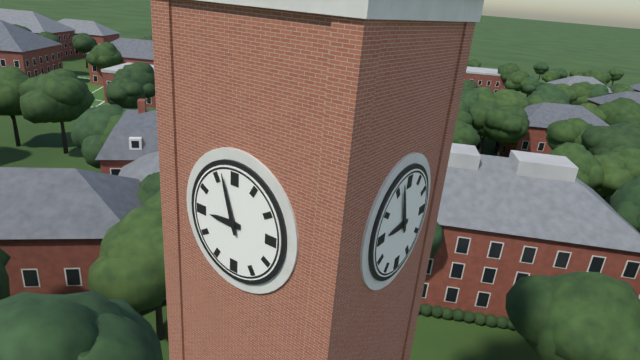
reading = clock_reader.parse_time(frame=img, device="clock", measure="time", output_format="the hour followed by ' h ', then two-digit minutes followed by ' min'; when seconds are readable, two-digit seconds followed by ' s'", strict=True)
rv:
8 h 57 min
